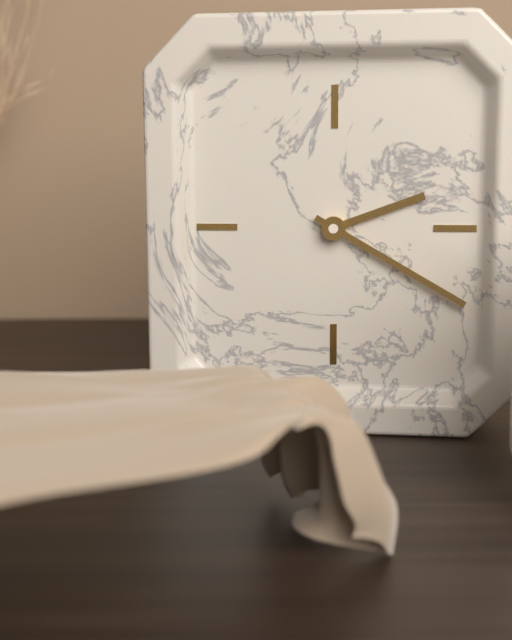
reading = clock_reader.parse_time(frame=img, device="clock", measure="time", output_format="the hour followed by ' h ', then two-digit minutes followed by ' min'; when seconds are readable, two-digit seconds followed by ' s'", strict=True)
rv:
2 h 20 min
